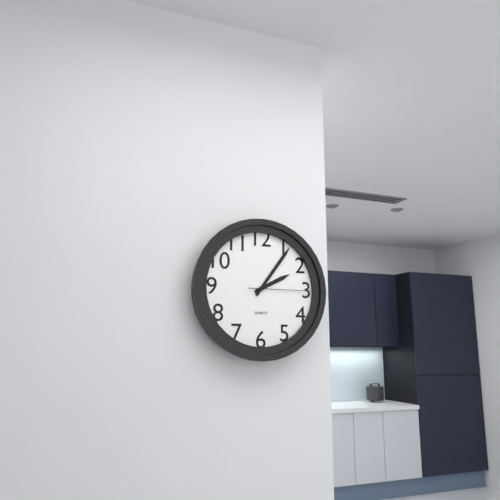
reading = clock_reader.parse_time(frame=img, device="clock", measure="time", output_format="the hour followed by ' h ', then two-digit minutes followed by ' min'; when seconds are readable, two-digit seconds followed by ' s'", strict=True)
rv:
2 h 06 min 15 s
